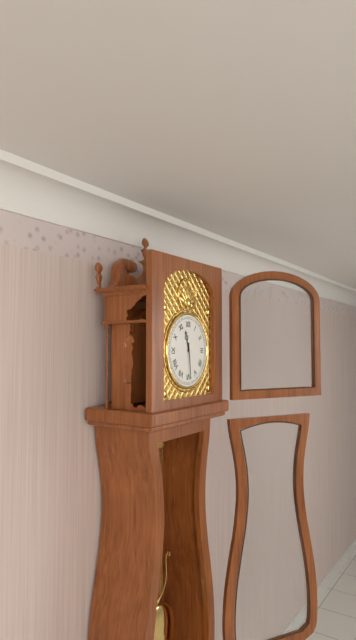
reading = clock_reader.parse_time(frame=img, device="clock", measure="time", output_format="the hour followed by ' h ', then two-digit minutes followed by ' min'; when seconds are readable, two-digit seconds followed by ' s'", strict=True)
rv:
11 h 29 min
